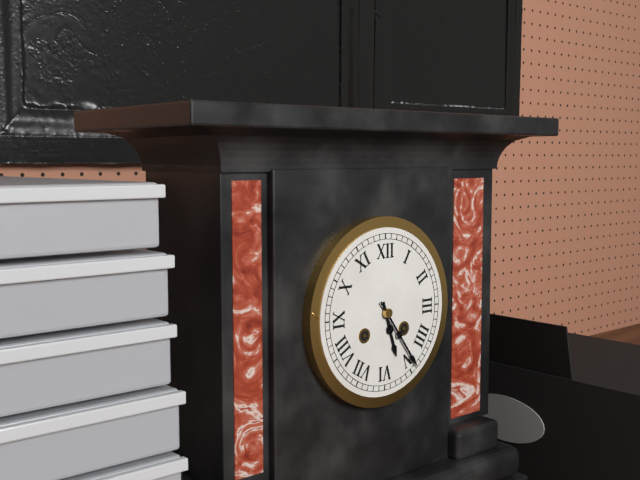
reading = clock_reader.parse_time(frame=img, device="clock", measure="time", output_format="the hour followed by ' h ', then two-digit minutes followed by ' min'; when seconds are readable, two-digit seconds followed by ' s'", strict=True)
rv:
5 h 24 min
